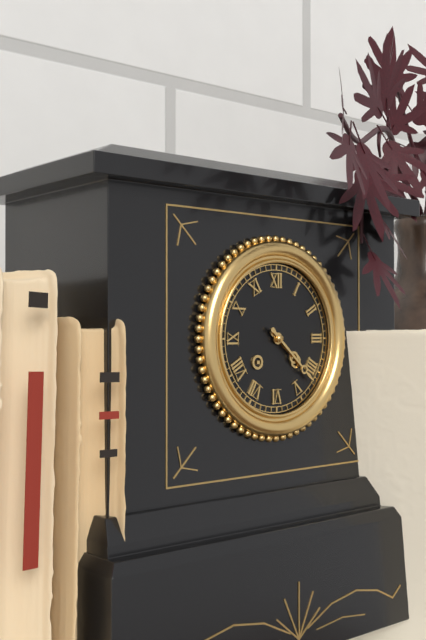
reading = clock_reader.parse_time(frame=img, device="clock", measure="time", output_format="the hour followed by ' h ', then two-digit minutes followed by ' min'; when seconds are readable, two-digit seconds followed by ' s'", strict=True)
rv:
4 h 22 min
